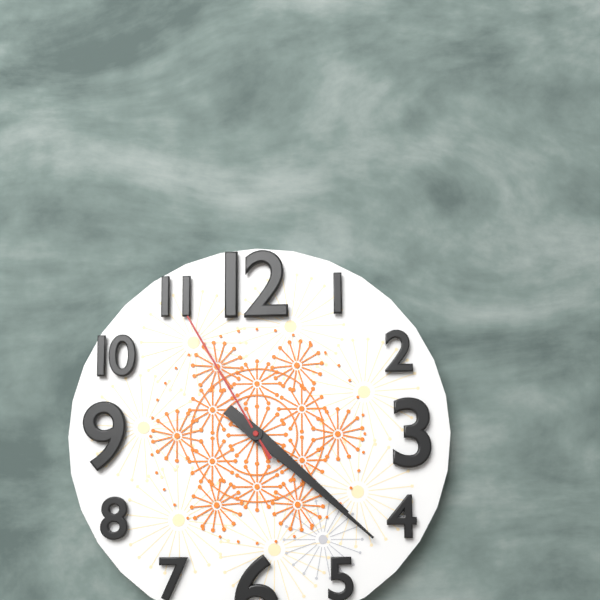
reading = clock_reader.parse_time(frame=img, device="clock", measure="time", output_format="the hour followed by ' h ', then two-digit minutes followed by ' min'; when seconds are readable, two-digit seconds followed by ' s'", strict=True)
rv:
4 h 22 min 55 s
